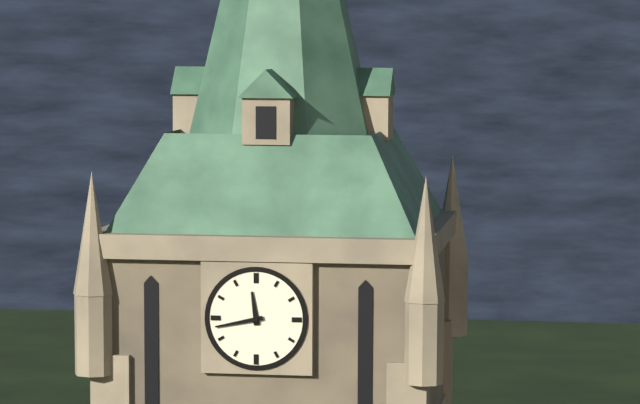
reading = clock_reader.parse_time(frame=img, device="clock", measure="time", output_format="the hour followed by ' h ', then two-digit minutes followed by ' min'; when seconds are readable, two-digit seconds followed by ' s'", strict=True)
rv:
11 h 43 min
